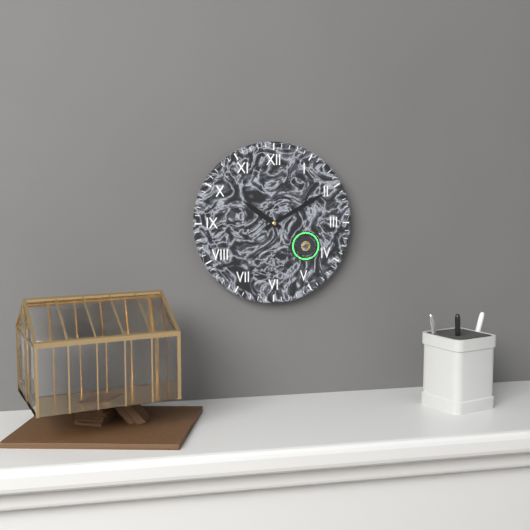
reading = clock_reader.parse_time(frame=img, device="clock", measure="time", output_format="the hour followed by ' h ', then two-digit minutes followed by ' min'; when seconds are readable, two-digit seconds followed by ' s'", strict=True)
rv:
10 h 10 min
